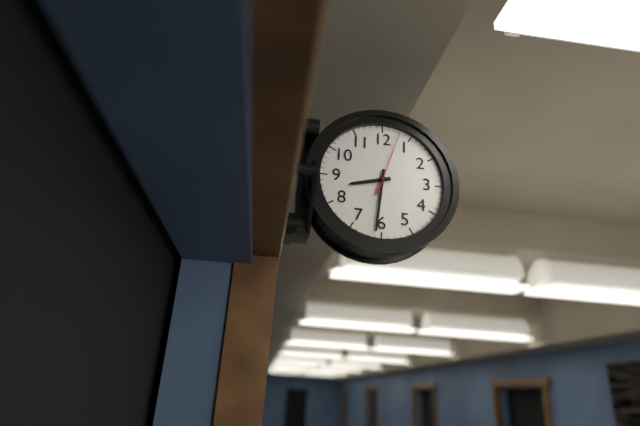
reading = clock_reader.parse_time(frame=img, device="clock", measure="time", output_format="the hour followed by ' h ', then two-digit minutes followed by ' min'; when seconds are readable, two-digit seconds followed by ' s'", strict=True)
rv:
8 h 31 min 03 s
